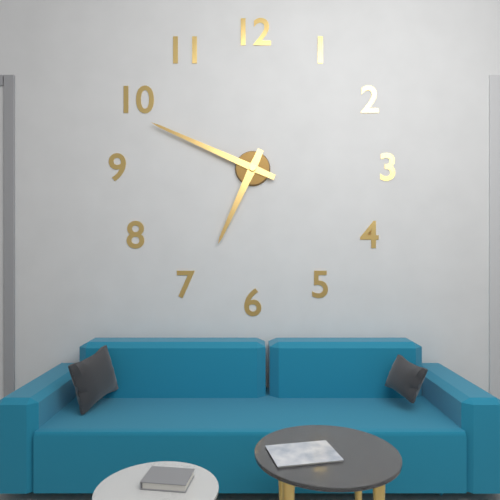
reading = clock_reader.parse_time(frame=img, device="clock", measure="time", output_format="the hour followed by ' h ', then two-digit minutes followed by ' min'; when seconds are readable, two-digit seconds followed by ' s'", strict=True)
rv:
6 h 49 min
